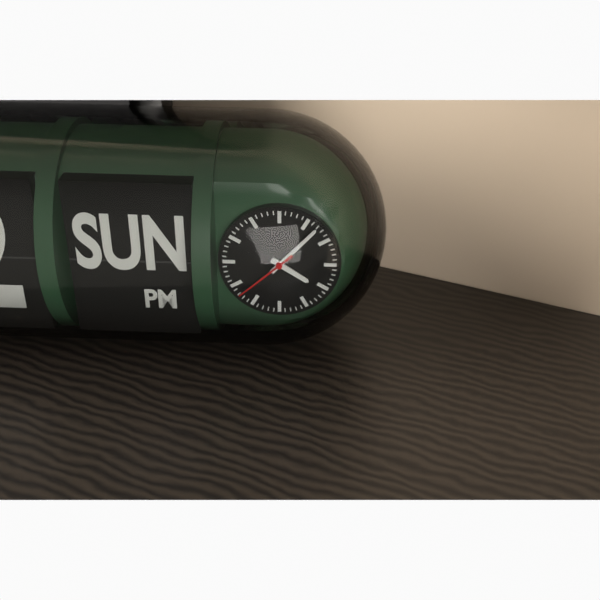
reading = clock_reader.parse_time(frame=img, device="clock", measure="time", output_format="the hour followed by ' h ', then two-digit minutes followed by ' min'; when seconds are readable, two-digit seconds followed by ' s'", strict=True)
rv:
4 h 07 min 38 s
